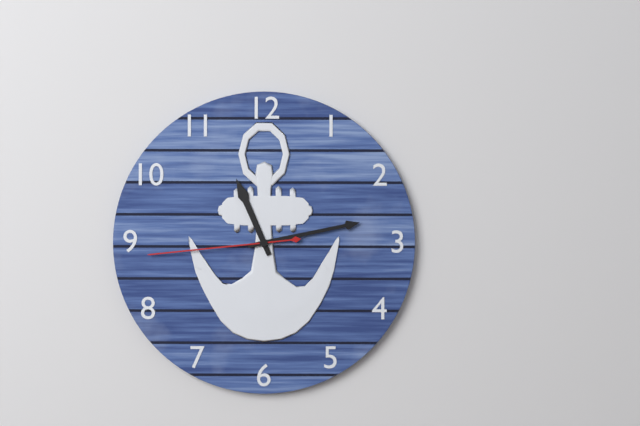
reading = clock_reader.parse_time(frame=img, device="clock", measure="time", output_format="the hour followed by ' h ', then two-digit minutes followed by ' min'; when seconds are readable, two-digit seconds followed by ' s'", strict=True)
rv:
11 h 13 min 44 s
